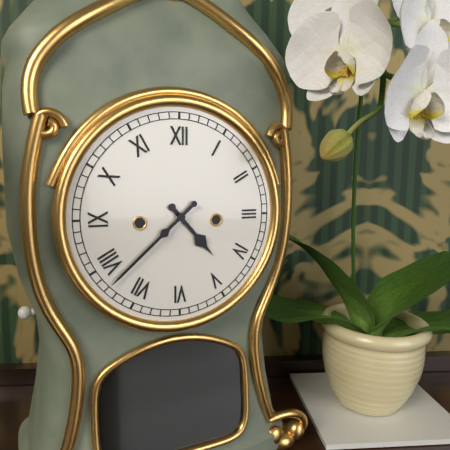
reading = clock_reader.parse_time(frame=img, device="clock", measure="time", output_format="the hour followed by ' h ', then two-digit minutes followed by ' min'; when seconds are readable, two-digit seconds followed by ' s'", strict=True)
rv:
4 h 38 min
